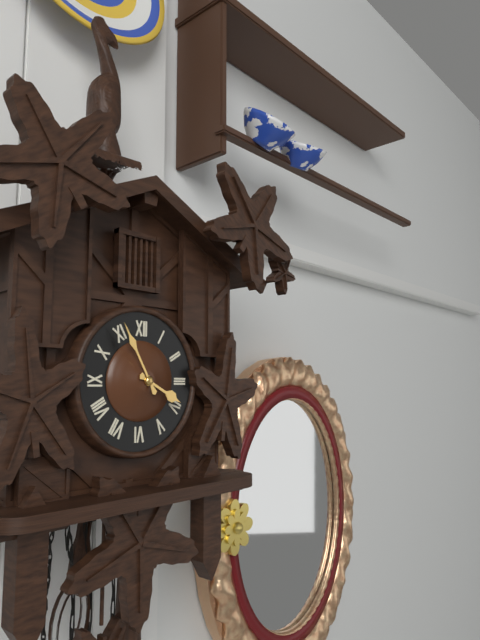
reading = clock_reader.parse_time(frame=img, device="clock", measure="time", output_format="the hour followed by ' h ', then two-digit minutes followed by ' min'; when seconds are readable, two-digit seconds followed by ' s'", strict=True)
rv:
3 h 55 min
